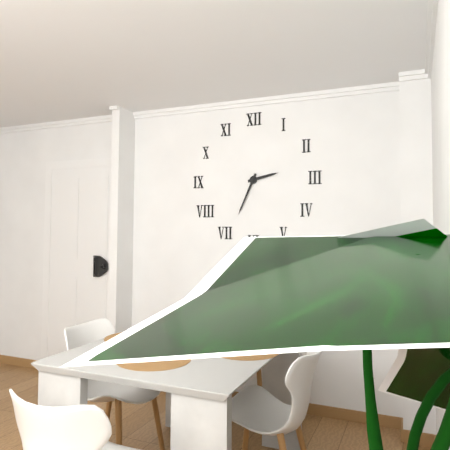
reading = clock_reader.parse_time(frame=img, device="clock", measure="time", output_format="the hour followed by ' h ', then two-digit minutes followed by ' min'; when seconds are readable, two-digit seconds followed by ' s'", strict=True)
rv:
2 h 34 min
